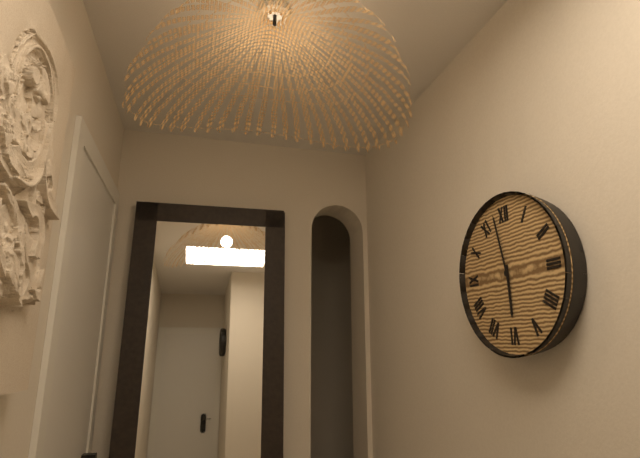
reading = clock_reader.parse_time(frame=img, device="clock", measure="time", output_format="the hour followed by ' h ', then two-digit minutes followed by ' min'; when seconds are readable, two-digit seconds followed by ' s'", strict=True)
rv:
5 h 58 min
